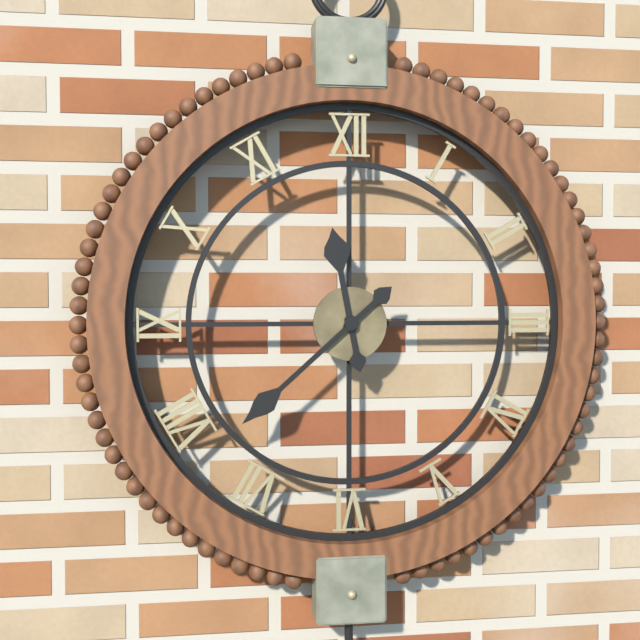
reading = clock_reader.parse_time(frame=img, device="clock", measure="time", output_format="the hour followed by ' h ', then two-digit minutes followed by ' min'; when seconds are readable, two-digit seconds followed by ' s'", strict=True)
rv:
11 h 38 min
